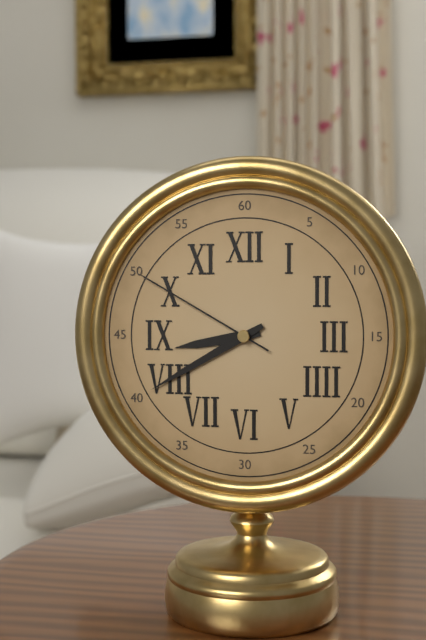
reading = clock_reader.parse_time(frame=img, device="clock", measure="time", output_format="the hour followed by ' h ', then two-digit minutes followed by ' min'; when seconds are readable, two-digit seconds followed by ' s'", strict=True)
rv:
8 h 40 min 50 s
